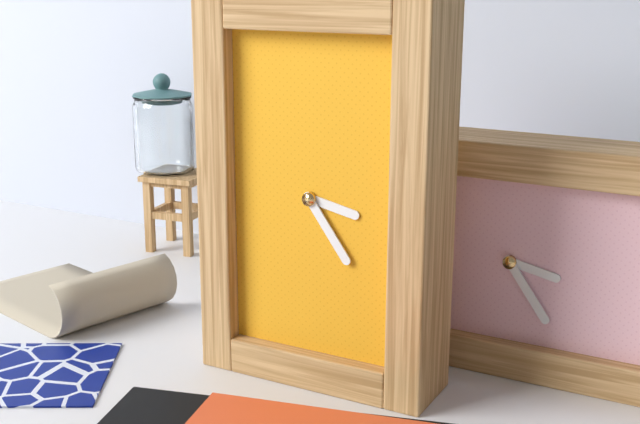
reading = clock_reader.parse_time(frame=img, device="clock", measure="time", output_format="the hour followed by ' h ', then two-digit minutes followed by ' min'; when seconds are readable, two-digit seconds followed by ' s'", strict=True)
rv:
3 h 24 min
